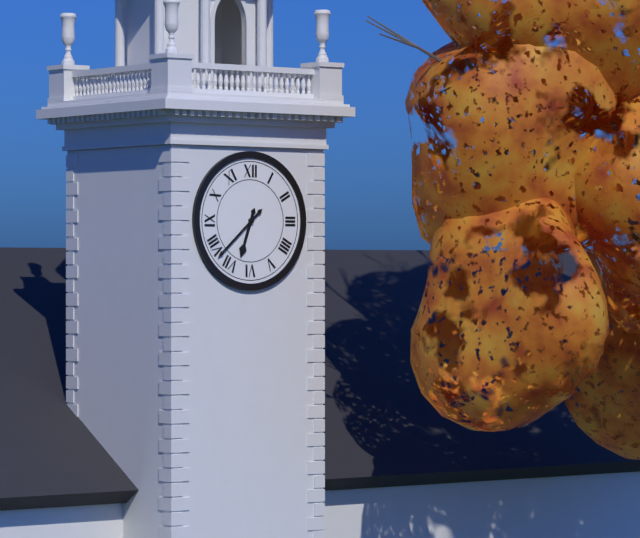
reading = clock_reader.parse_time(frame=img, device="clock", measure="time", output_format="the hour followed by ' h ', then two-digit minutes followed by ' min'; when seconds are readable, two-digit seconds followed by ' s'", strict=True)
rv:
6 h 38 min
